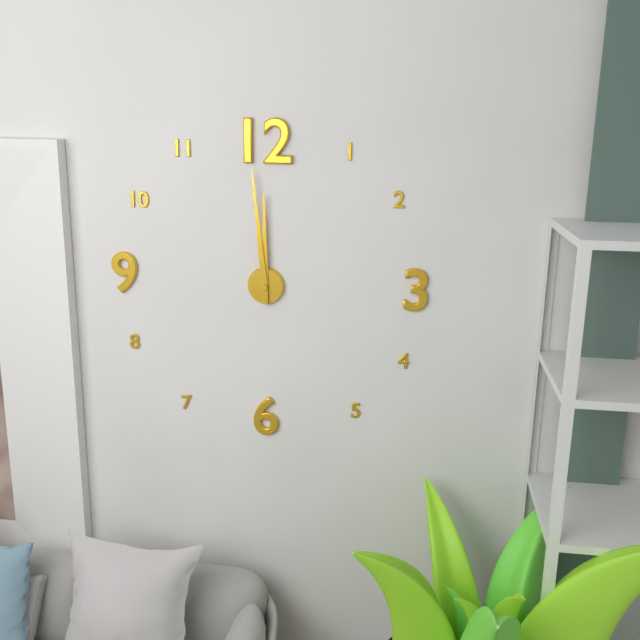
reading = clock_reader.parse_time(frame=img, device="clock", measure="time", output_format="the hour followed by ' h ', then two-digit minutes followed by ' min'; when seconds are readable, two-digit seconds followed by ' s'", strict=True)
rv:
11 h 59 min
